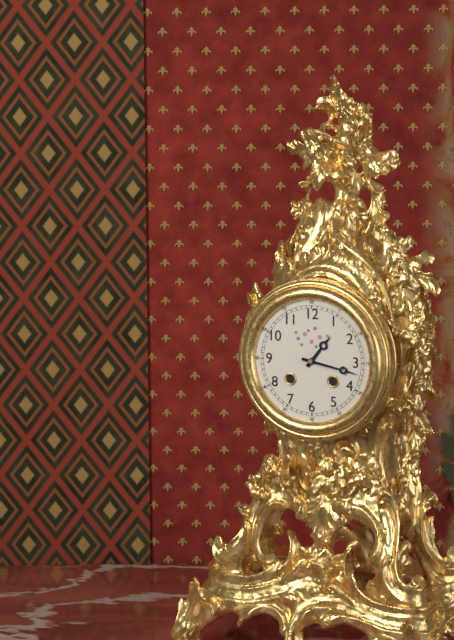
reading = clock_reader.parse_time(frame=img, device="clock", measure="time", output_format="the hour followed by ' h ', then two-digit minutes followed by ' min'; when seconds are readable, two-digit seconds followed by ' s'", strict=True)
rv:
1 h 17 min
